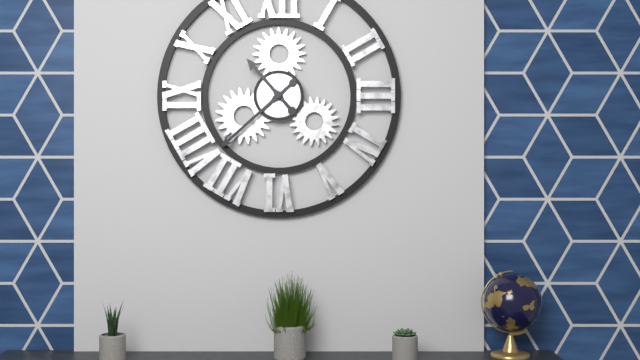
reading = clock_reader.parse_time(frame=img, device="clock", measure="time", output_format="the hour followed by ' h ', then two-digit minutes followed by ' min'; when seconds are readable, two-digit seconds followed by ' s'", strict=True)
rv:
10 h 38 min
